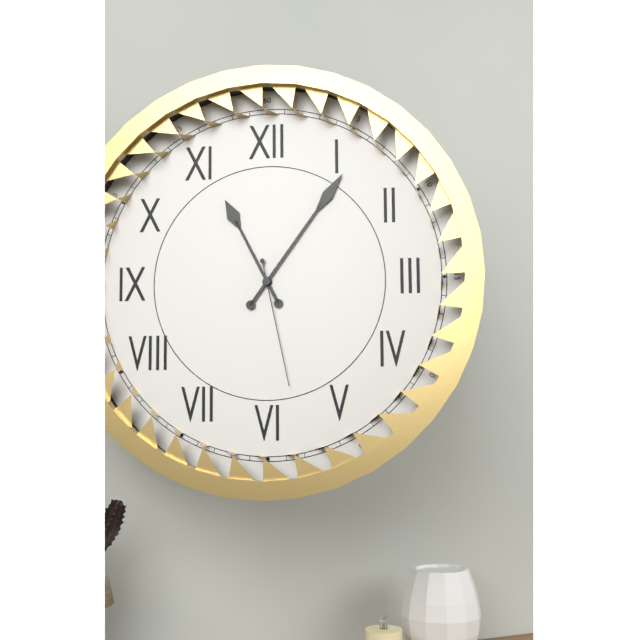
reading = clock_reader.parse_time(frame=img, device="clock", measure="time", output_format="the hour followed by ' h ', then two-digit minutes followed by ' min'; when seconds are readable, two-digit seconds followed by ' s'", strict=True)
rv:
11 h 06 min 28 s
